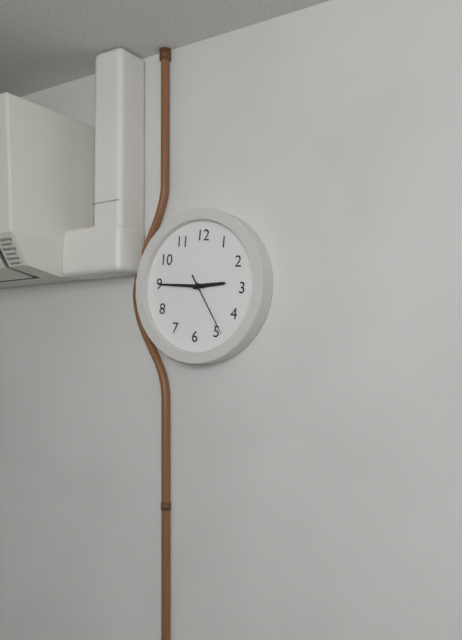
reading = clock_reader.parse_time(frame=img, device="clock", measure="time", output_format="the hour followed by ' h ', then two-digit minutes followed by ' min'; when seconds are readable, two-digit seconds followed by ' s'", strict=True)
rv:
2 h 45 min 24 s
